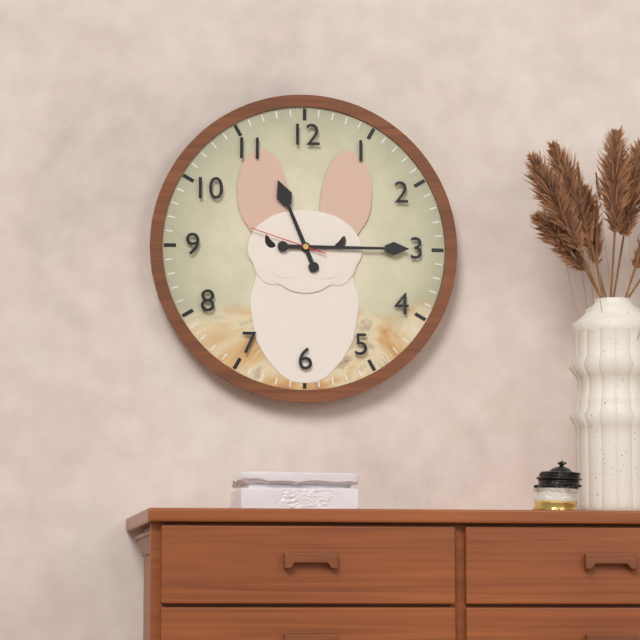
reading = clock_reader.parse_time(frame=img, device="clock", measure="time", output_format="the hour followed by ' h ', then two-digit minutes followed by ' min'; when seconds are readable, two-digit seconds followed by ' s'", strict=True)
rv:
11 h 15 min 48 s
